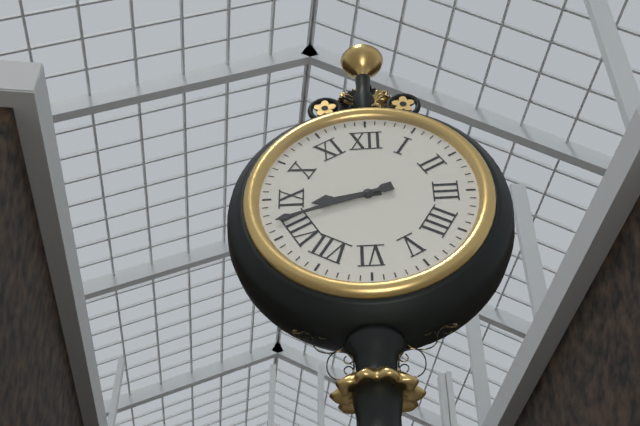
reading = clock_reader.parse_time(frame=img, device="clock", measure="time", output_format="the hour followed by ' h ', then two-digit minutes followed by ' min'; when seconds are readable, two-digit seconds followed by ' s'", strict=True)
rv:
8 h 42 min
